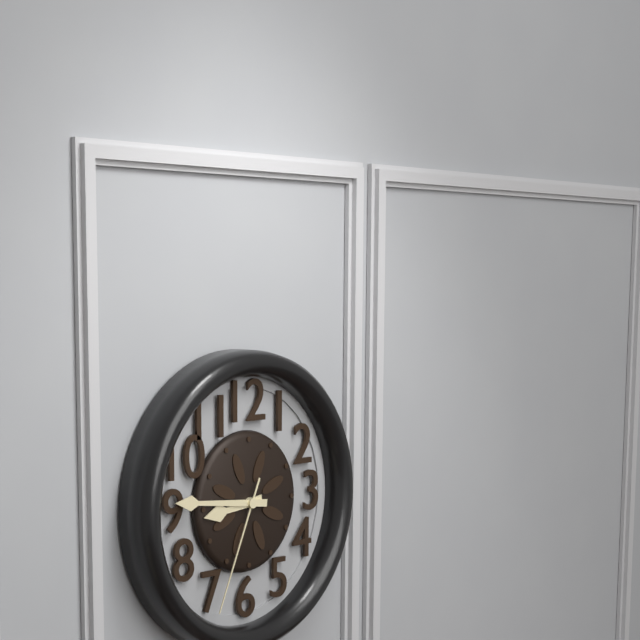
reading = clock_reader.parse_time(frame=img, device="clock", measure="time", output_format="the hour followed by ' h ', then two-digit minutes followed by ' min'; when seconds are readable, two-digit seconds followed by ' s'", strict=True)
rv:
8 h 46 min 34 s
